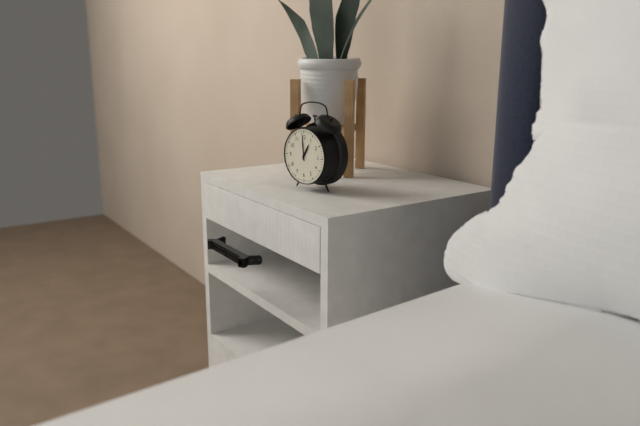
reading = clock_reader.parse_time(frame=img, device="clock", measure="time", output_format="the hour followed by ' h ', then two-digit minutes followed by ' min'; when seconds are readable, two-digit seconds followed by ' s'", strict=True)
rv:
12 h 59 min
